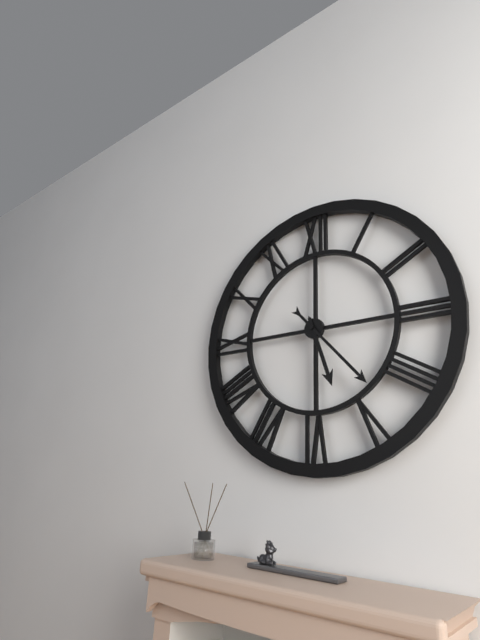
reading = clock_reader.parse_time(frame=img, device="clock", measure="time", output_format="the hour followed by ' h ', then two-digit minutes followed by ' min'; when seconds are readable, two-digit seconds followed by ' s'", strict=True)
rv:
5 h 23 min
